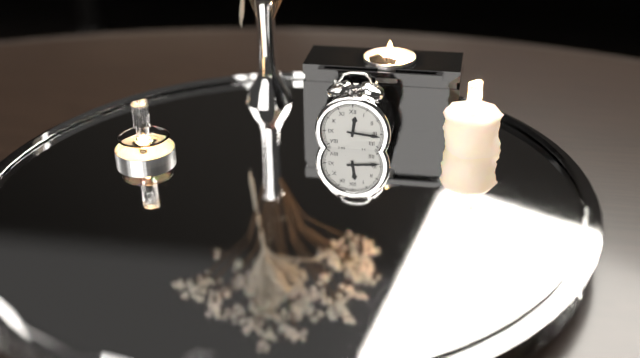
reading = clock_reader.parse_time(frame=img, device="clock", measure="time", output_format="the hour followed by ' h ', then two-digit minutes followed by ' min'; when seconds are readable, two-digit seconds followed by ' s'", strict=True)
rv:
12 h 16 min
